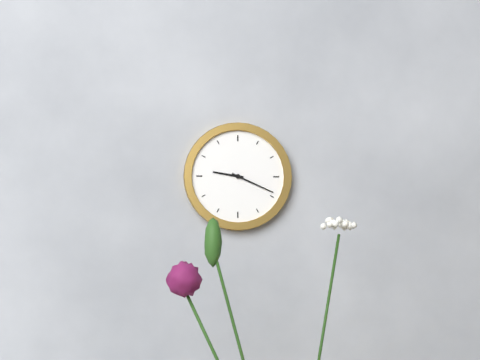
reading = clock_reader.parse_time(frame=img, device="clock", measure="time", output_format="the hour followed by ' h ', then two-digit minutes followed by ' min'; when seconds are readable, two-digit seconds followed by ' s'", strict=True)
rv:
9 h 19 min
